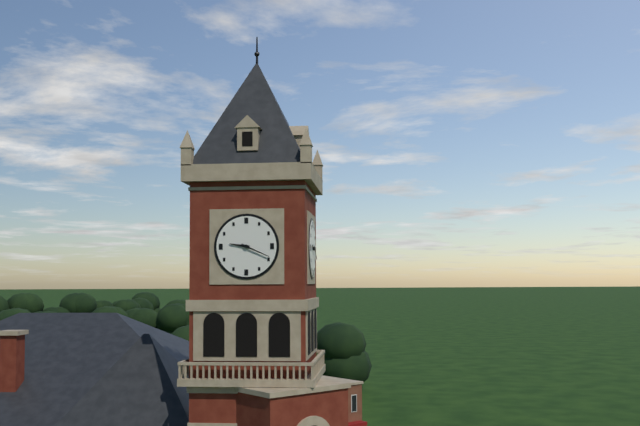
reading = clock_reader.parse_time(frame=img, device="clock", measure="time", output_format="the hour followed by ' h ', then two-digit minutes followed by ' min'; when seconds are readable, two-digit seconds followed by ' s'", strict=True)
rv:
9 h 19 min
